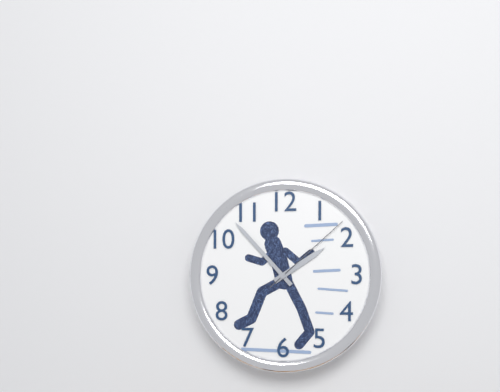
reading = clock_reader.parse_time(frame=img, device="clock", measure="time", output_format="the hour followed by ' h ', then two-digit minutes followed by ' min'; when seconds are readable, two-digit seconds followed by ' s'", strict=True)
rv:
1 h 53 min 08 s
